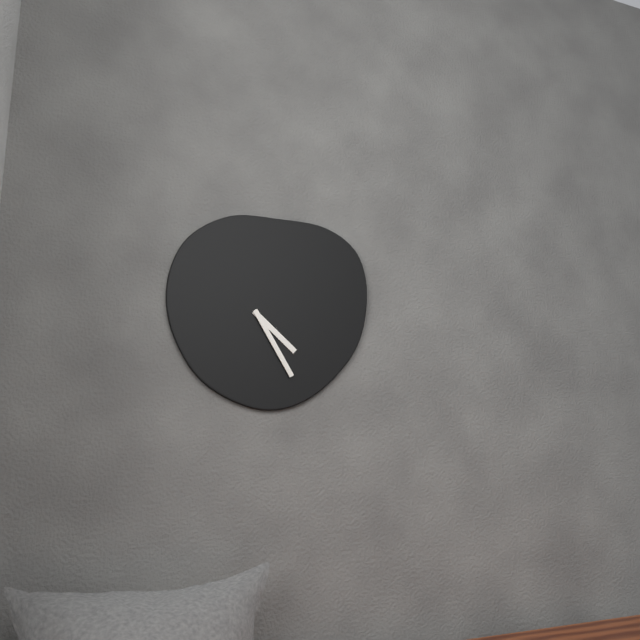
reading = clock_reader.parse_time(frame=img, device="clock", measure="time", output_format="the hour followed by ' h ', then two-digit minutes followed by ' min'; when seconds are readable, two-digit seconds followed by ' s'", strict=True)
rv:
4 h 25 min
